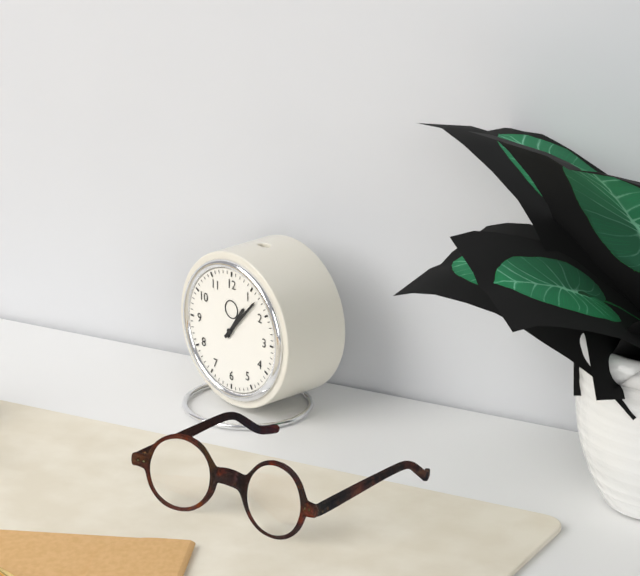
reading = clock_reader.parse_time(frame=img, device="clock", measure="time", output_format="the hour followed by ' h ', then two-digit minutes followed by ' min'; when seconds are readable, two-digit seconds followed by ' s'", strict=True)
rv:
1 h 07 min
